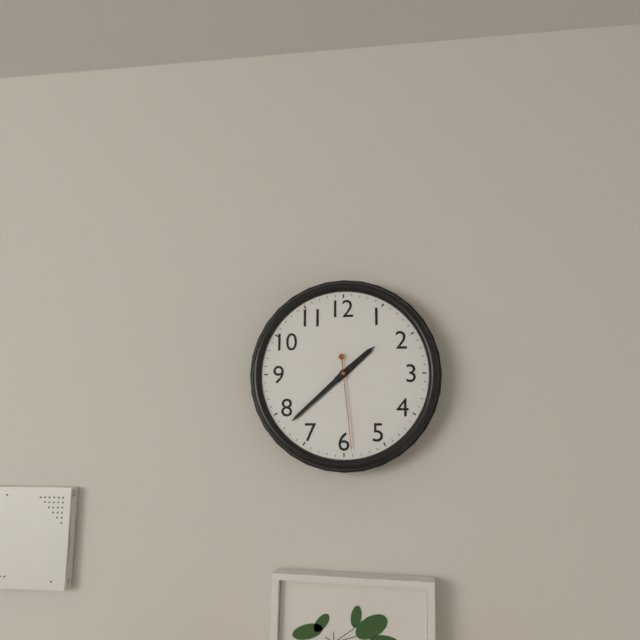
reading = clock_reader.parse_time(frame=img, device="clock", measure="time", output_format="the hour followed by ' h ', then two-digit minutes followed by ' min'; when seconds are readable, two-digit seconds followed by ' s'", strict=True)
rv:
1 h 38 min 29 s
